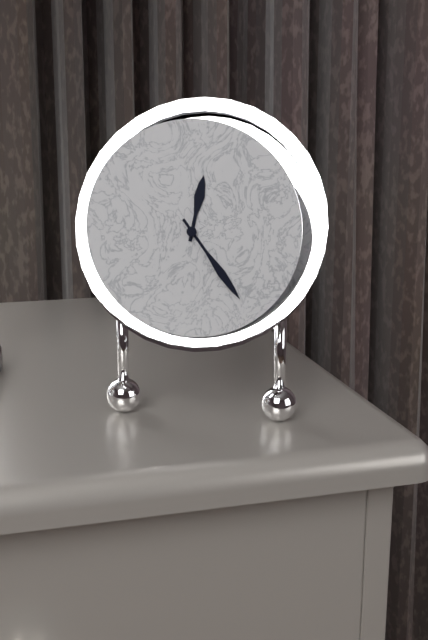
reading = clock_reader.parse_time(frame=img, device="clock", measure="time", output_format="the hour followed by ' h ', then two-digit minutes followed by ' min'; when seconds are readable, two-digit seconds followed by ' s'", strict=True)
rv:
12 h 24 min
